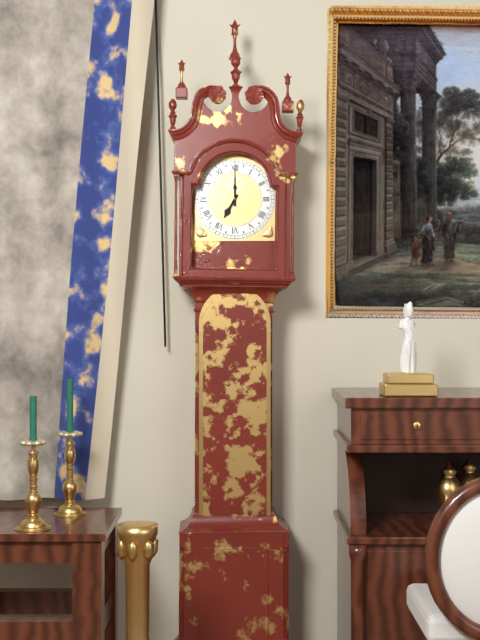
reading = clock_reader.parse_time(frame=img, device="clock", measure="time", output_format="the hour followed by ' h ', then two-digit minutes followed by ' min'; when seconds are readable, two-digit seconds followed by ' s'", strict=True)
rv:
7 h 00 min
